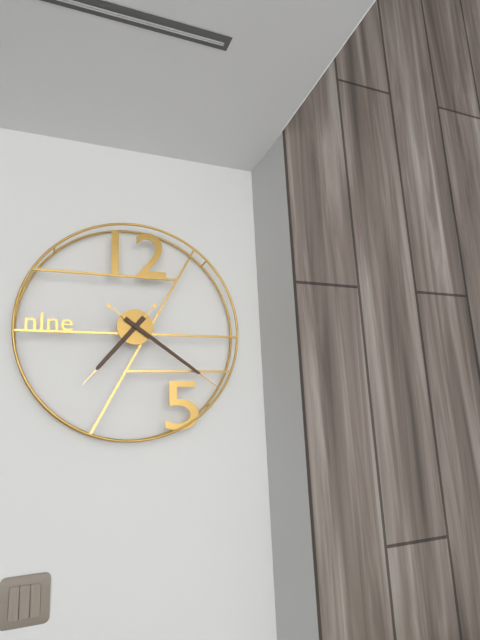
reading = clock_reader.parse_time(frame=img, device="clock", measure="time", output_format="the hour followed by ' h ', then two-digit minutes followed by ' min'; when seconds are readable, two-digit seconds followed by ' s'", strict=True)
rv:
7 h 21 min
